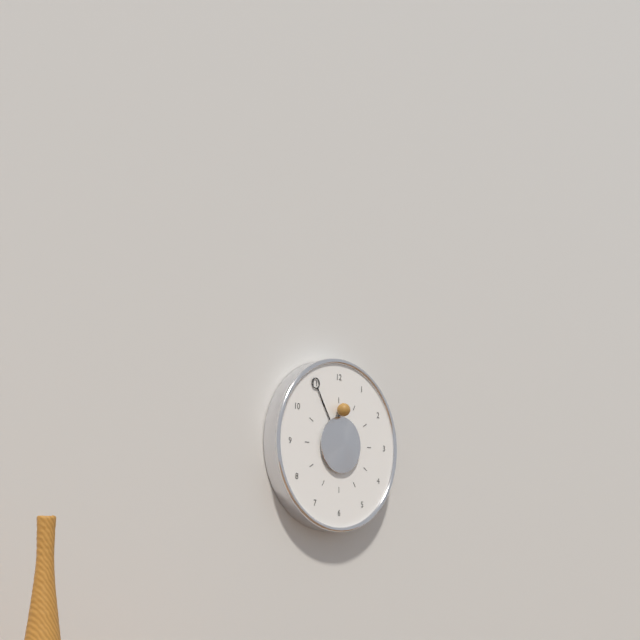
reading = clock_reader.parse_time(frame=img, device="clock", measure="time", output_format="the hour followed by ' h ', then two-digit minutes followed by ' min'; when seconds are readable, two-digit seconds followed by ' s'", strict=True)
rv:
11 h 55 min
